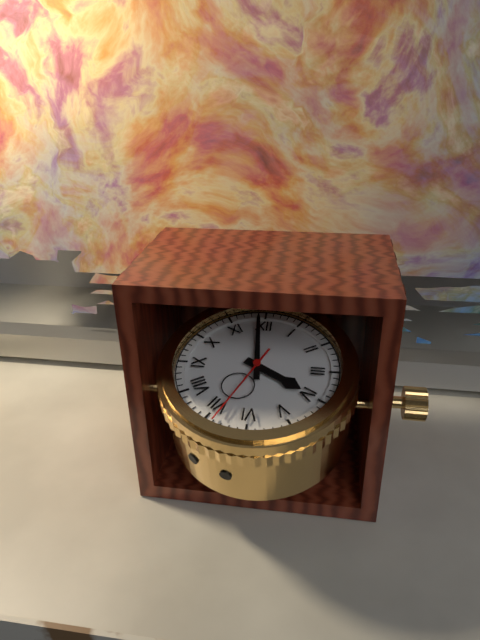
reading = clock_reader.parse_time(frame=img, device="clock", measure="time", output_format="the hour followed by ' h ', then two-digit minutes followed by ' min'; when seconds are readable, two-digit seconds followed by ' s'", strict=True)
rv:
3 h 59 min 34 s
